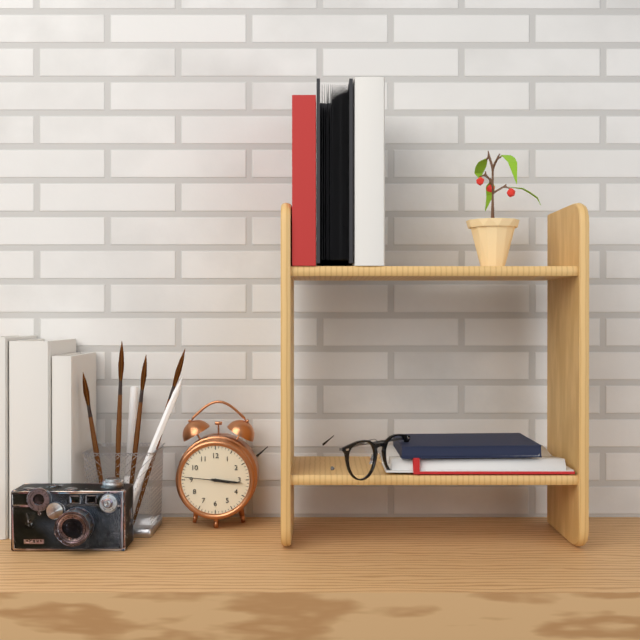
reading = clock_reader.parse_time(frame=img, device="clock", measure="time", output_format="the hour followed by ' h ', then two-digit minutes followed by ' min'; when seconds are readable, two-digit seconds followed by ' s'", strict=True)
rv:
3 h 16 min
